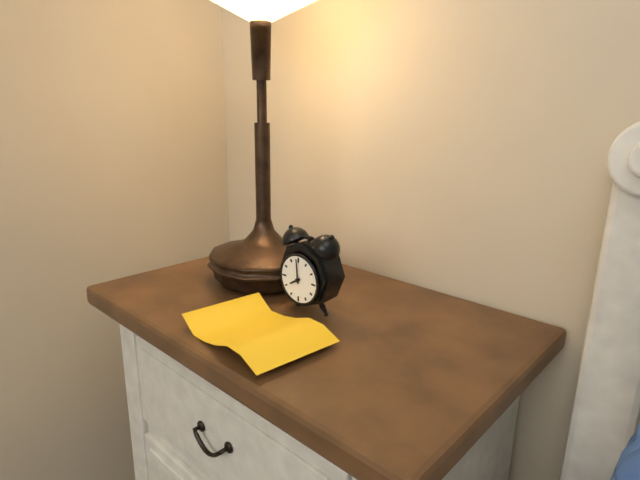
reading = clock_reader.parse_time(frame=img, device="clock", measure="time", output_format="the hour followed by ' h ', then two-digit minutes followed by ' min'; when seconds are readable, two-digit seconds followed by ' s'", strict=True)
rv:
7 h 59 min
